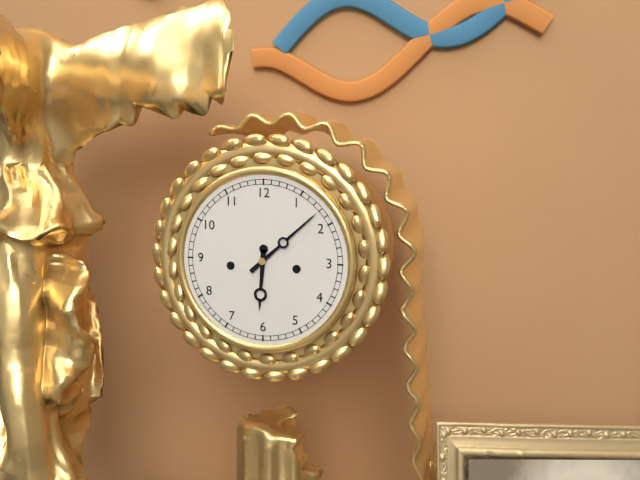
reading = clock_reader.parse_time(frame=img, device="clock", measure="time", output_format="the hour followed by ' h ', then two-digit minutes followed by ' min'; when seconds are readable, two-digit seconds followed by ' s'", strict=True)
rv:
6 h 08 min
